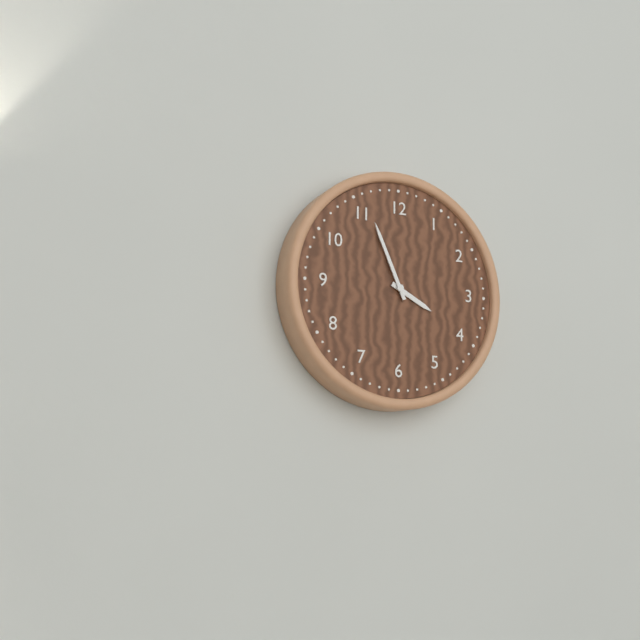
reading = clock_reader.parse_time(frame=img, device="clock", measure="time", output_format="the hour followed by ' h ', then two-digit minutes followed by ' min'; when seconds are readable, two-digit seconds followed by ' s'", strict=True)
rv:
3 h 56 min
